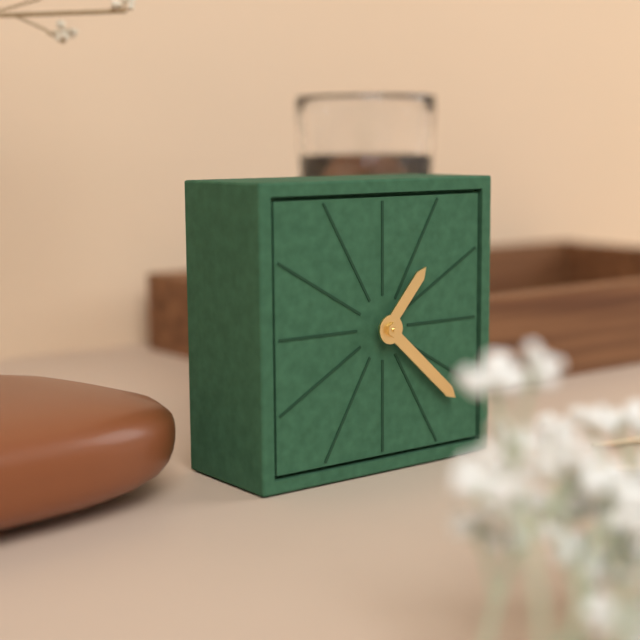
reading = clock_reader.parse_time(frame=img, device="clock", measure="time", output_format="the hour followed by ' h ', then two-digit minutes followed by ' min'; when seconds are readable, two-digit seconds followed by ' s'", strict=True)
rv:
1 h 22 min
